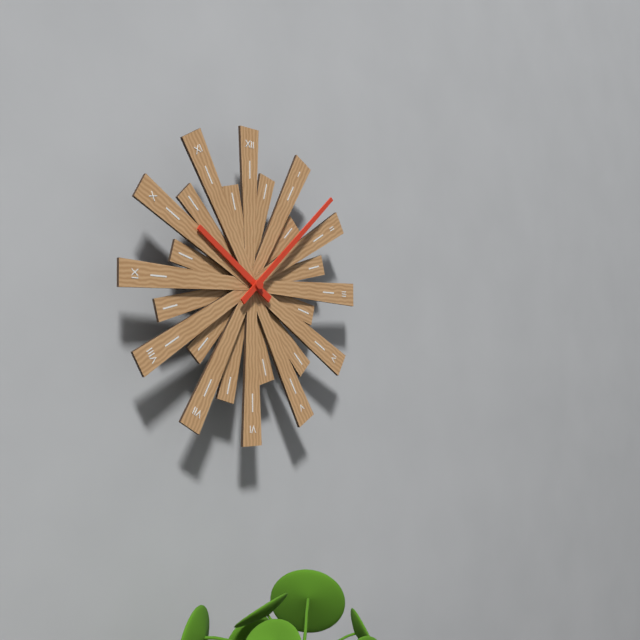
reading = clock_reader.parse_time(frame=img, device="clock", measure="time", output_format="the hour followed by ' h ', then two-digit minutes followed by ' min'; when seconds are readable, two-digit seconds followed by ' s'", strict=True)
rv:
10 h 08 min
